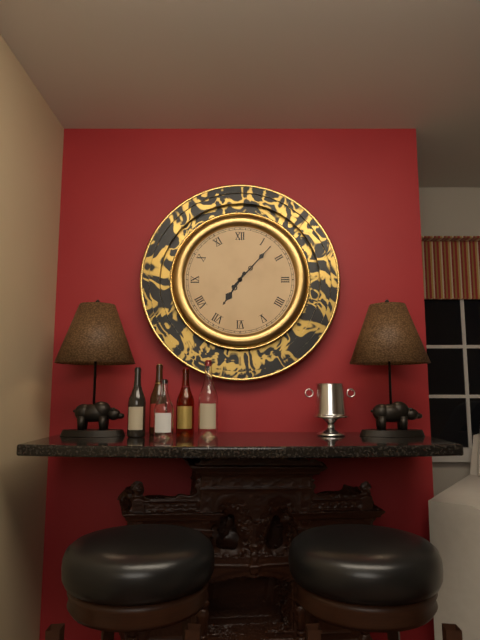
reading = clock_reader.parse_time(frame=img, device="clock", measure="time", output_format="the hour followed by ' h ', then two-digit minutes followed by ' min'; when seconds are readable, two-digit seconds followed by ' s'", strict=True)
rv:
7 h 07 min
